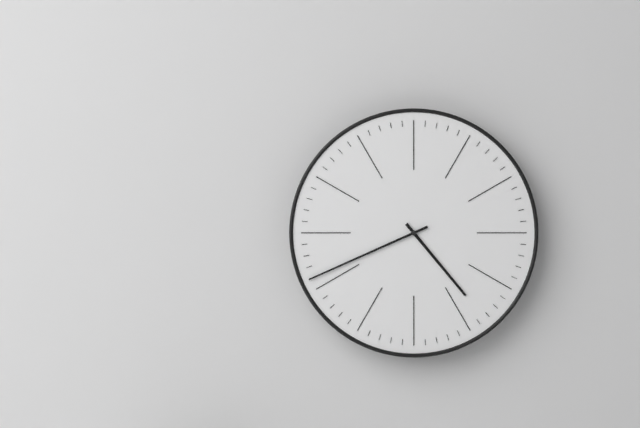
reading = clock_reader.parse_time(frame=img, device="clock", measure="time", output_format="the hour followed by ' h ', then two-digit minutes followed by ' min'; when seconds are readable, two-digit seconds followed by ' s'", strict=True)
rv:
4 h 41 min
